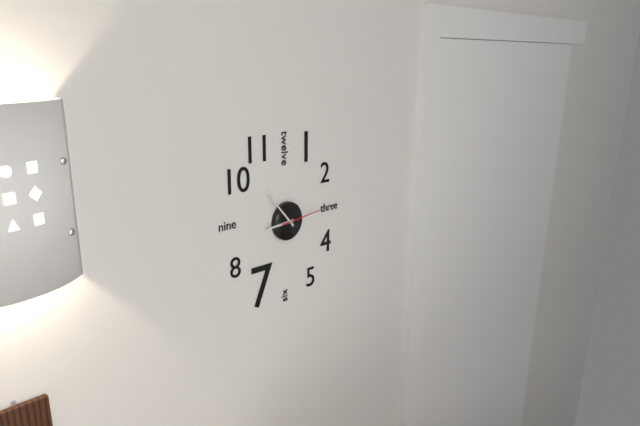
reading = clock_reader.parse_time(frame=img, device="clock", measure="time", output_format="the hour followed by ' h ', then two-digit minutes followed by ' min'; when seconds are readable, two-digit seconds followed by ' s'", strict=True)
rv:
8 h 53 min
